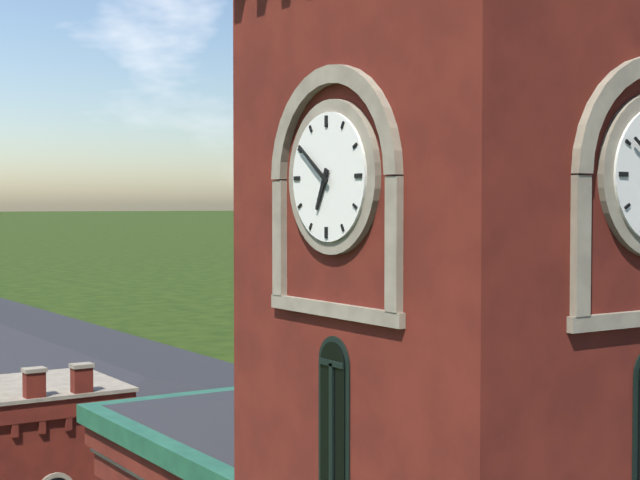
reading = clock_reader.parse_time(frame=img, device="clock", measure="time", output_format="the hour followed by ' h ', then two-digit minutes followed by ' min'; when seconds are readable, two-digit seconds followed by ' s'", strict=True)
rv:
6 h 51 min
